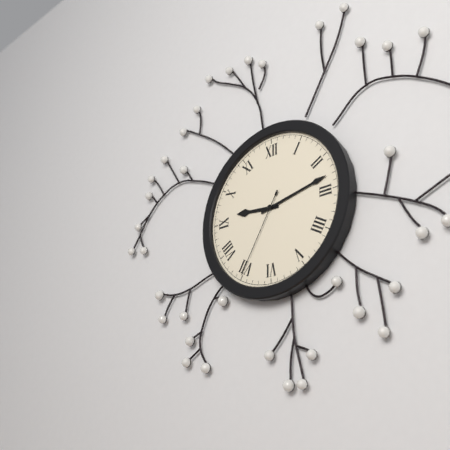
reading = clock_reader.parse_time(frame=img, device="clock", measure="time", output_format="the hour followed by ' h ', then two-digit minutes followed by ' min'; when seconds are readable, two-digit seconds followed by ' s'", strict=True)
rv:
9 h 13 min 35 s
